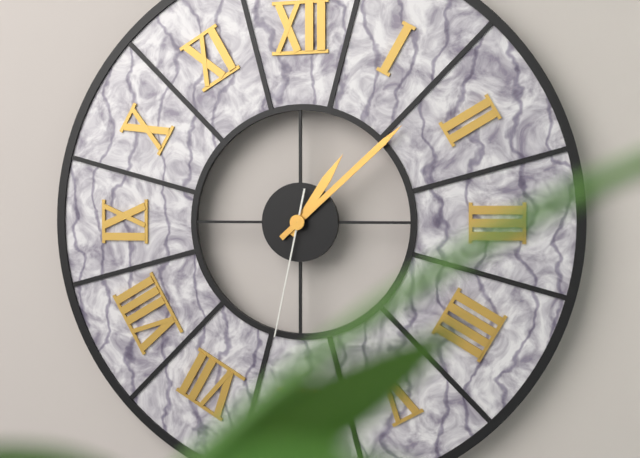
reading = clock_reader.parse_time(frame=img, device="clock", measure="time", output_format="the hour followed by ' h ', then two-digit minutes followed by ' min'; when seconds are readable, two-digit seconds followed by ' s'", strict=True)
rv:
1 h 08 min 32 s
